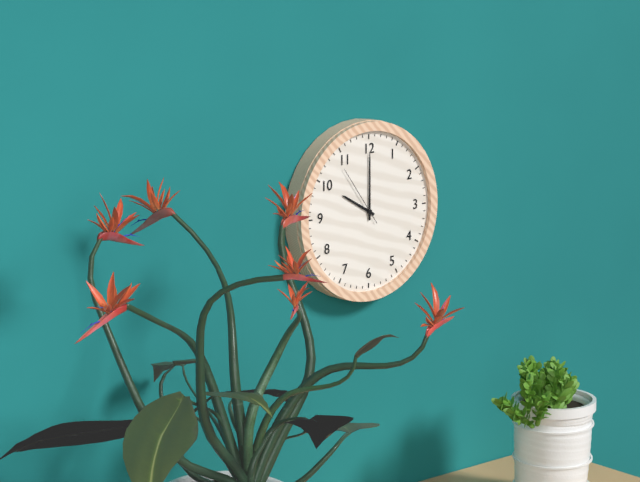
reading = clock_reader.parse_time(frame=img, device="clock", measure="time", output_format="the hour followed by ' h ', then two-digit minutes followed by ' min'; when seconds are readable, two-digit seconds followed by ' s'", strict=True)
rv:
10 h 00 min 54 s
